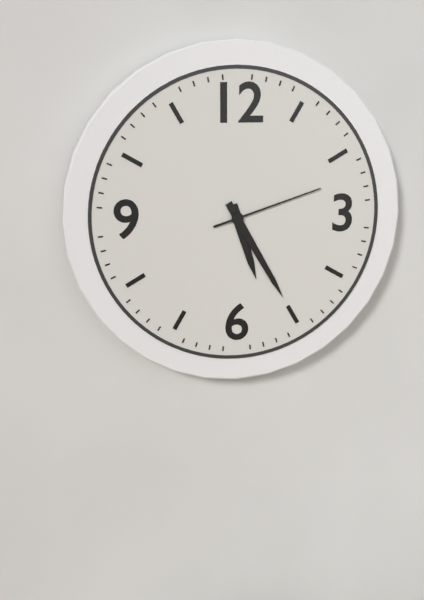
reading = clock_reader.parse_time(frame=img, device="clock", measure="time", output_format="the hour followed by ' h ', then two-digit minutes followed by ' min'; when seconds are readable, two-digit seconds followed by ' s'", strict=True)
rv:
5 h 25 min 12 s
